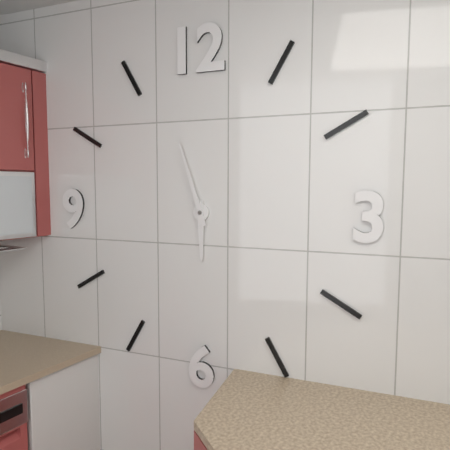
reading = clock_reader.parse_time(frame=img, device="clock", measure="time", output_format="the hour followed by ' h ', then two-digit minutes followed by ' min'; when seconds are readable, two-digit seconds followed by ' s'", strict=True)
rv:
5 h 57 min
